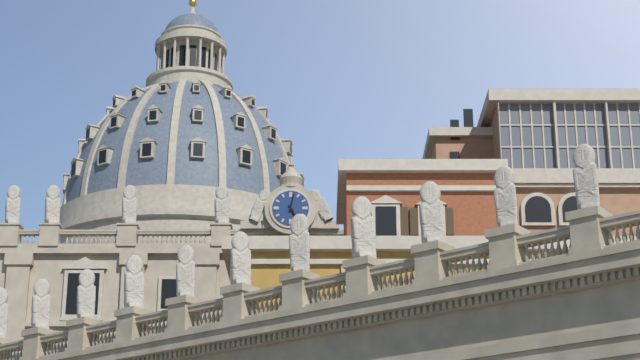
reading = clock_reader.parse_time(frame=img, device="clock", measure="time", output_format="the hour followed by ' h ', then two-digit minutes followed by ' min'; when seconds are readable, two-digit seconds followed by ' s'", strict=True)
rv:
5 h 02 min
